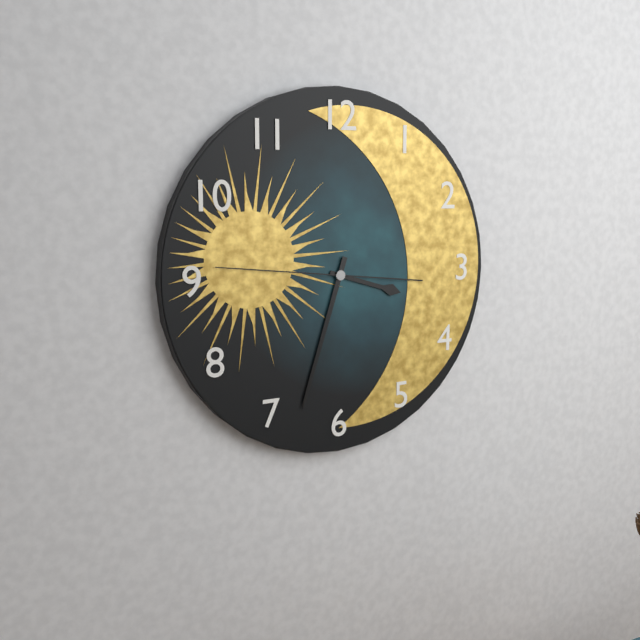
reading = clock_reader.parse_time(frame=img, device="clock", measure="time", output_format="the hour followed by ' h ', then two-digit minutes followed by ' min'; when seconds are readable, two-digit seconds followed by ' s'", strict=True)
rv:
3 h 33 min 46 s
